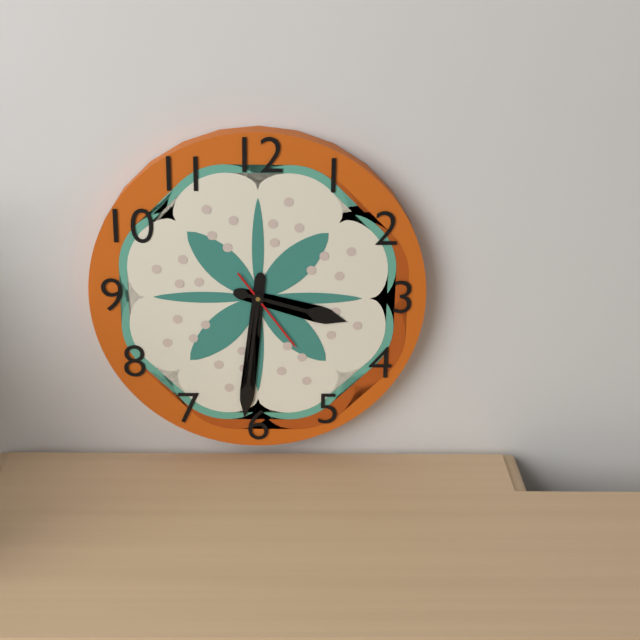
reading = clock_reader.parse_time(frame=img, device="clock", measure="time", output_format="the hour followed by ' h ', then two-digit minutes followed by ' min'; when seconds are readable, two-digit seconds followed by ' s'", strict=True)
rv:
3 h 31 min 24 s
